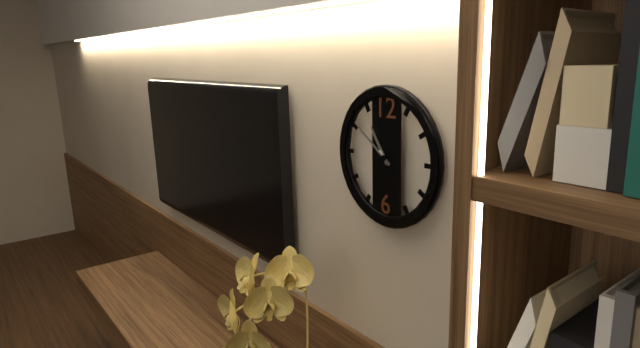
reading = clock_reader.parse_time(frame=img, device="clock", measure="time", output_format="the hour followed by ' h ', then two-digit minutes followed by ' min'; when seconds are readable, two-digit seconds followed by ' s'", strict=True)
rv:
10 h 51 min
